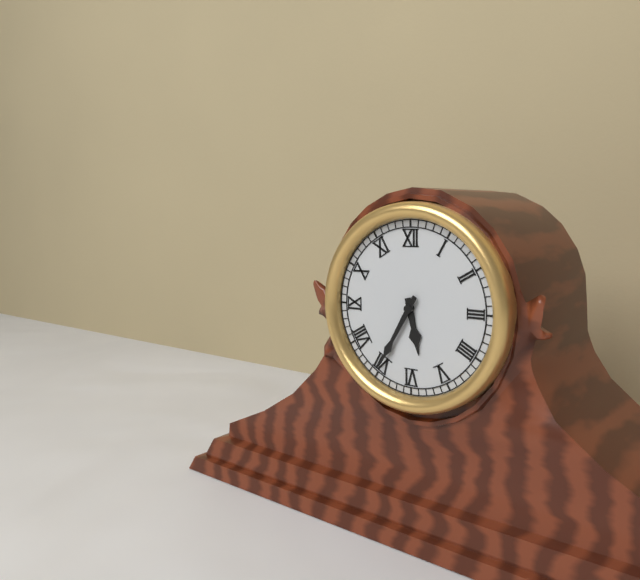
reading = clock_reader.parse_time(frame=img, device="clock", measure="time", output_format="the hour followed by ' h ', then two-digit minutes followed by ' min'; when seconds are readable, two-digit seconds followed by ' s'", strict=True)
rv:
5 h 35 min
